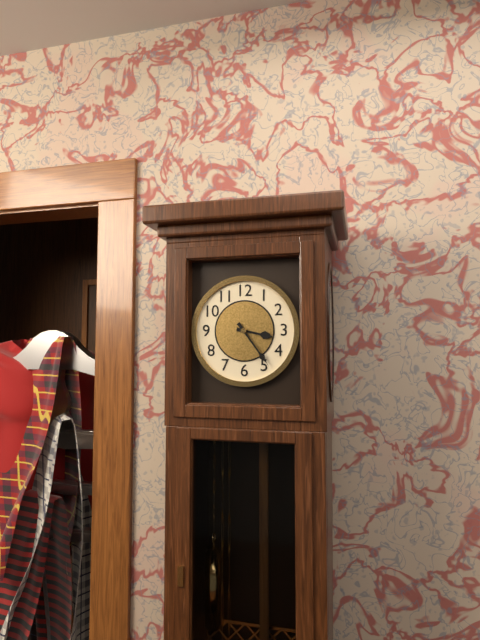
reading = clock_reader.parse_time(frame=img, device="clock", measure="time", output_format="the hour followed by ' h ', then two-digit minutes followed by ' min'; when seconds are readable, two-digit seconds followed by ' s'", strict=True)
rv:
3 h 24 min
